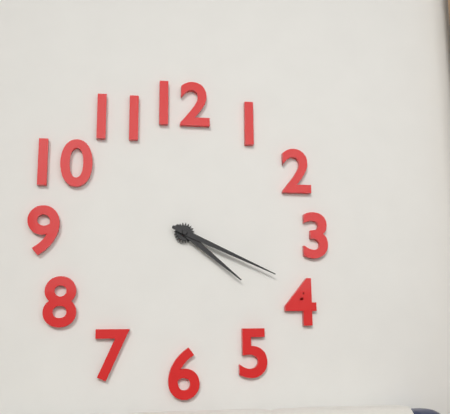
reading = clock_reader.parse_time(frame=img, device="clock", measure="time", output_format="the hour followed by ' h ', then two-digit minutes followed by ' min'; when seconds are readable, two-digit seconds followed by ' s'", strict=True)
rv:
4 h 19 min
